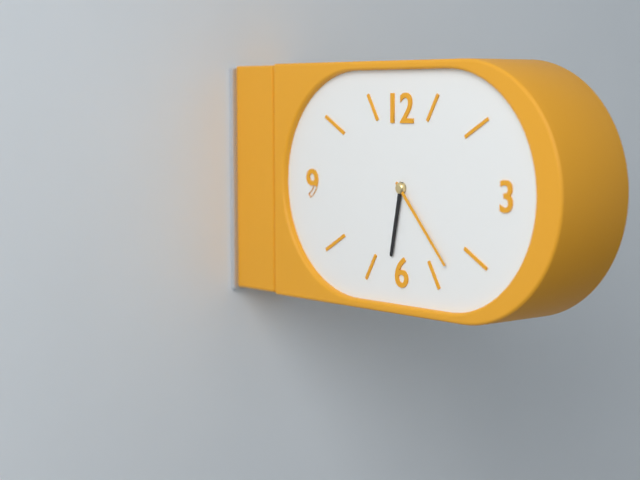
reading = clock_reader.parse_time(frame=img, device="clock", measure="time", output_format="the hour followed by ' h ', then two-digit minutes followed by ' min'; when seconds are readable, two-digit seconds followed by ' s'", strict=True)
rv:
6 h 23 min
